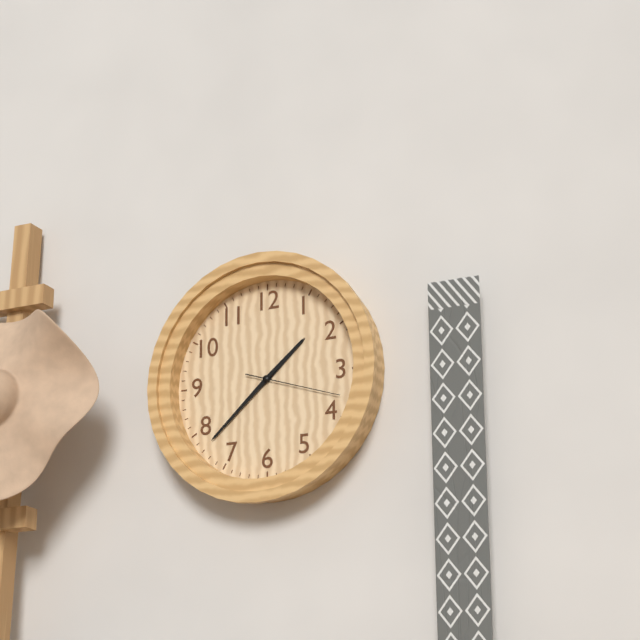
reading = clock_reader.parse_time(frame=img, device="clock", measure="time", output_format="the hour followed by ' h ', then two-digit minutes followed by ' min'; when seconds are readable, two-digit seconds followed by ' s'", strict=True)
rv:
1 h 38 min 18 s
